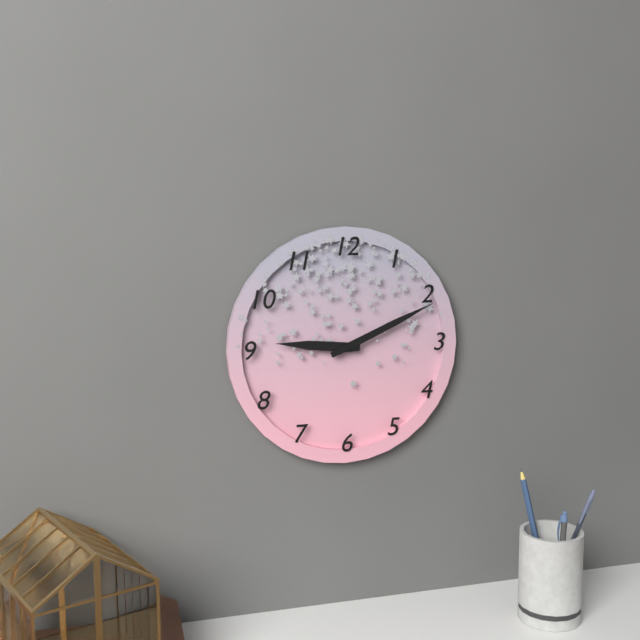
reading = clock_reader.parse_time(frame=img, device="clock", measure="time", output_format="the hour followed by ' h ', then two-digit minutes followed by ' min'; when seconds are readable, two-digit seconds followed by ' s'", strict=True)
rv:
9 h 11 min
